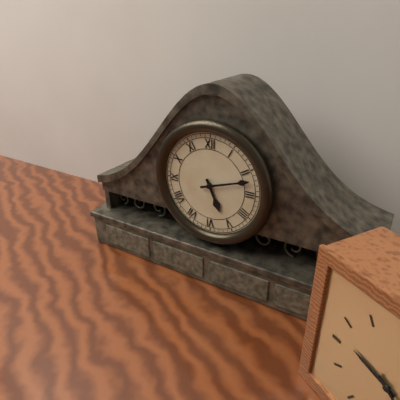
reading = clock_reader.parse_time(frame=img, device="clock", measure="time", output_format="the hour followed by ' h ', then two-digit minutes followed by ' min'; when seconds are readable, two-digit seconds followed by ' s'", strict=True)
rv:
5 h 12 min
